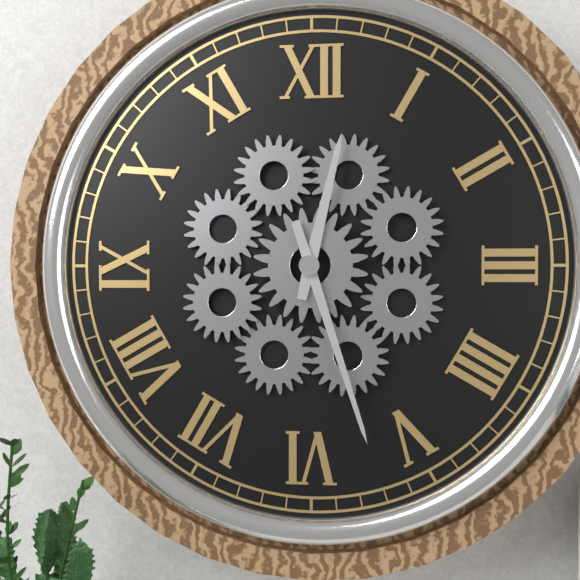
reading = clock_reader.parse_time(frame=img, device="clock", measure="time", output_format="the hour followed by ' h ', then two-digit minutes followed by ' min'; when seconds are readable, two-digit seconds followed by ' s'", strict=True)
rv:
12 h 27 min
